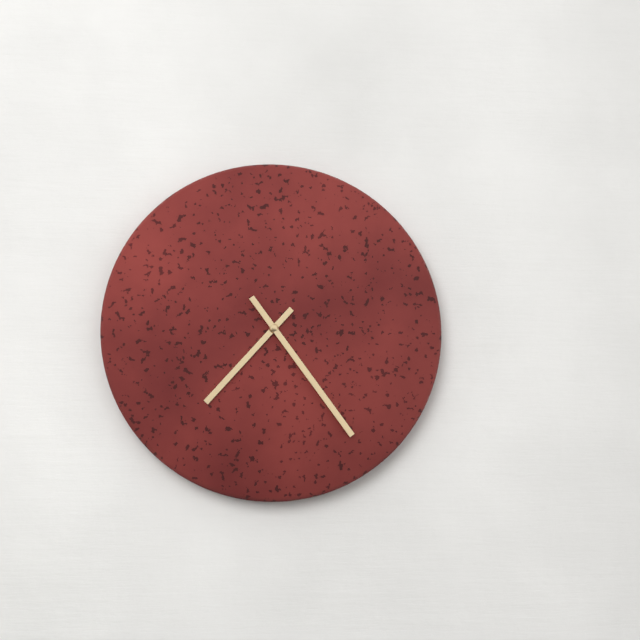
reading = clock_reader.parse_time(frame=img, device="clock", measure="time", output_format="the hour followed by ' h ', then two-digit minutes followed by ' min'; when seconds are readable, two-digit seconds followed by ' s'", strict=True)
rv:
7 h 24 min
